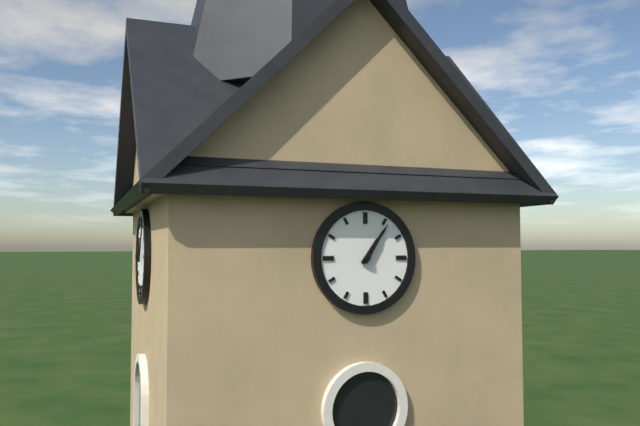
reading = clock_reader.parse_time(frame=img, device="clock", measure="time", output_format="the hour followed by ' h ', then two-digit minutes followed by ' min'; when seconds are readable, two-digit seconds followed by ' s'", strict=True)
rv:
1 h 06 min
